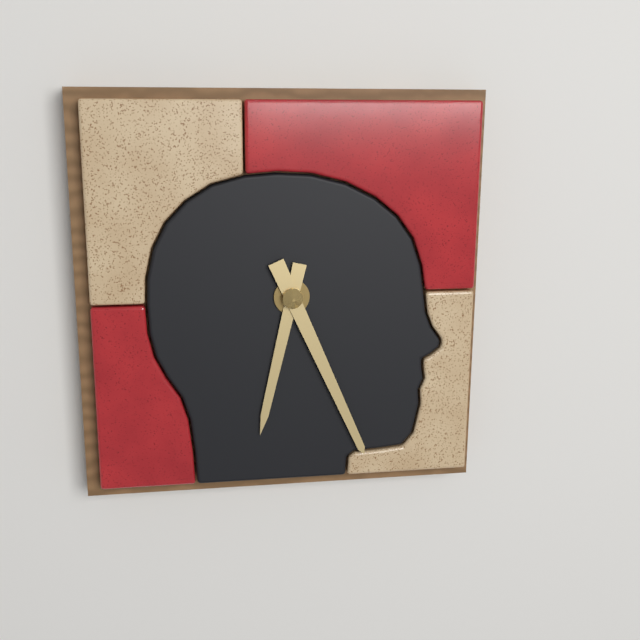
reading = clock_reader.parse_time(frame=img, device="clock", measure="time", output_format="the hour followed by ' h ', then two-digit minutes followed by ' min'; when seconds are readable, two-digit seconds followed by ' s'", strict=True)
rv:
6 h 26 min
